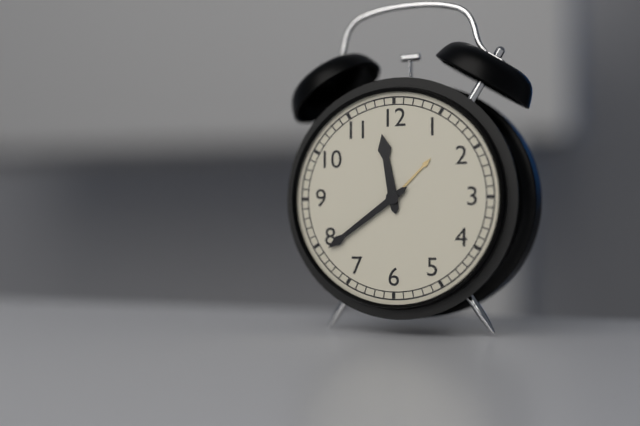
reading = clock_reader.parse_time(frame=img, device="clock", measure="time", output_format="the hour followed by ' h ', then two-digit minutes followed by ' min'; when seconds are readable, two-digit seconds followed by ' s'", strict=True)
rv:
11 h 39 min
